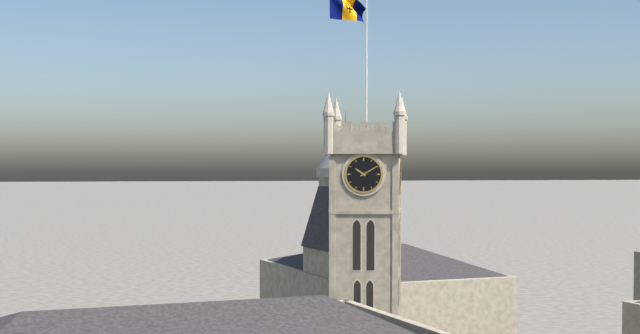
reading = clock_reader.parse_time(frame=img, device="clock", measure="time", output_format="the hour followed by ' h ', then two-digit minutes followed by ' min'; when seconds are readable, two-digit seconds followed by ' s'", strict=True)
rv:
10 h 10 min
